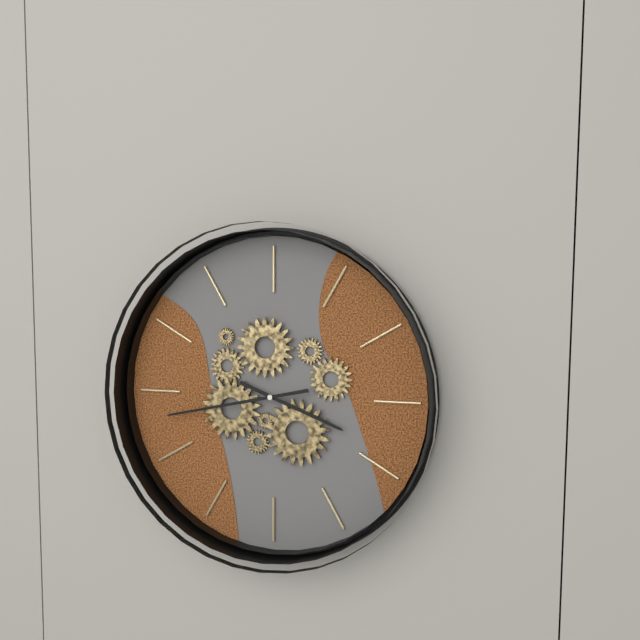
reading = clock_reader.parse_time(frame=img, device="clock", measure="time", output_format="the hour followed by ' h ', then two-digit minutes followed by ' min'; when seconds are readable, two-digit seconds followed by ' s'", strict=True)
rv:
3 h 43 min
